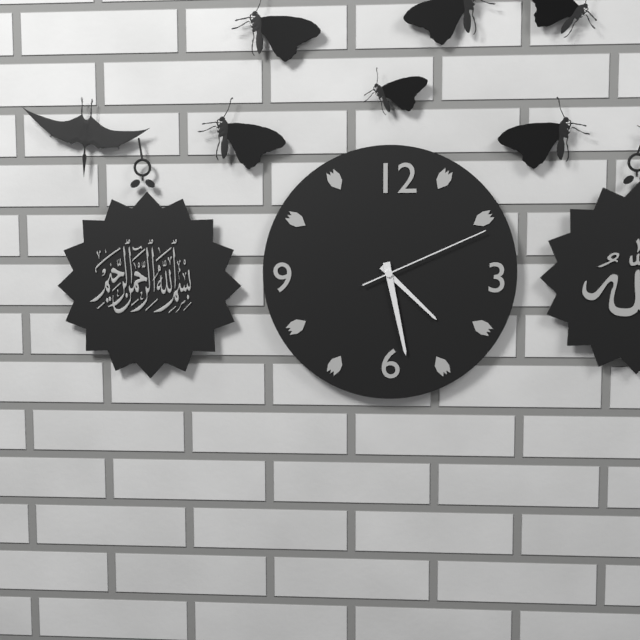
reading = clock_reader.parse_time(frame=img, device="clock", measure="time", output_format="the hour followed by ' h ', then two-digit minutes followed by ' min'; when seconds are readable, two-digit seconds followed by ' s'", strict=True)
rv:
4 h 28 min 11 s
